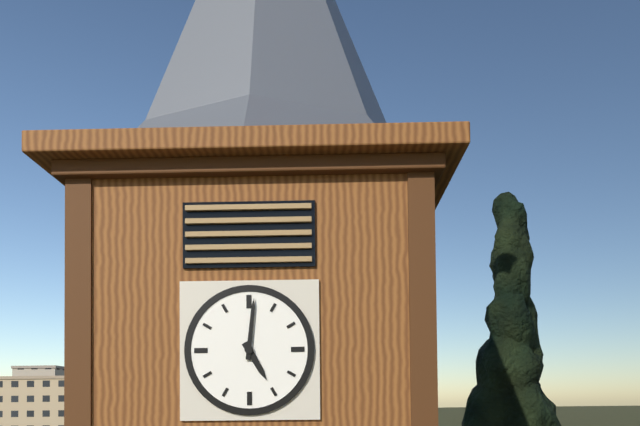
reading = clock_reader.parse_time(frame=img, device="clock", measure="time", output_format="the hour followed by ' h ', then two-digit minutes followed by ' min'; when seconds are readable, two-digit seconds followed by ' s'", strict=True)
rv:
5 h 01 min
